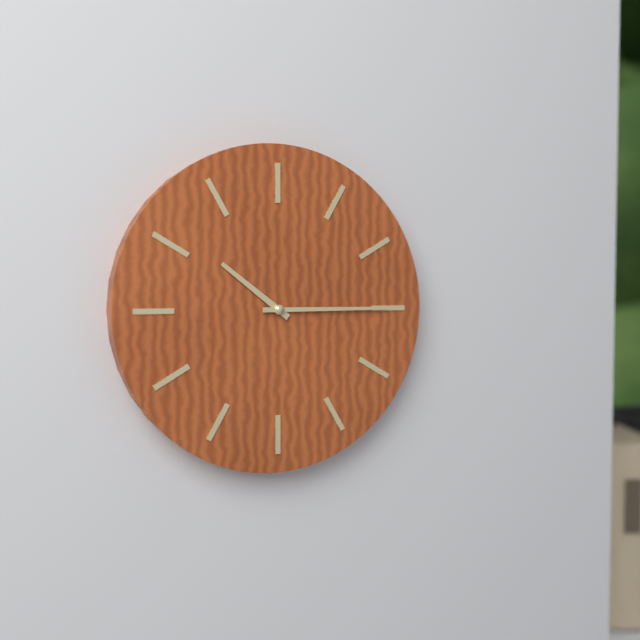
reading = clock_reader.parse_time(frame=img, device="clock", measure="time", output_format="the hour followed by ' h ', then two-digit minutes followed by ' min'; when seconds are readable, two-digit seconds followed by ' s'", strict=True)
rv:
10 h 15 min
